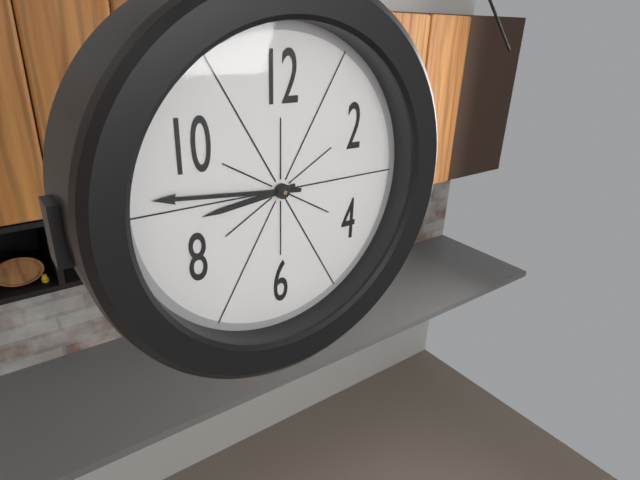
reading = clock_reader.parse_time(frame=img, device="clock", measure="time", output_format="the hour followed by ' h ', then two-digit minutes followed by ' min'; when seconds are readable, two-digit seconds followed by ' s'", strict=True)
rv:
8 h 46 min
